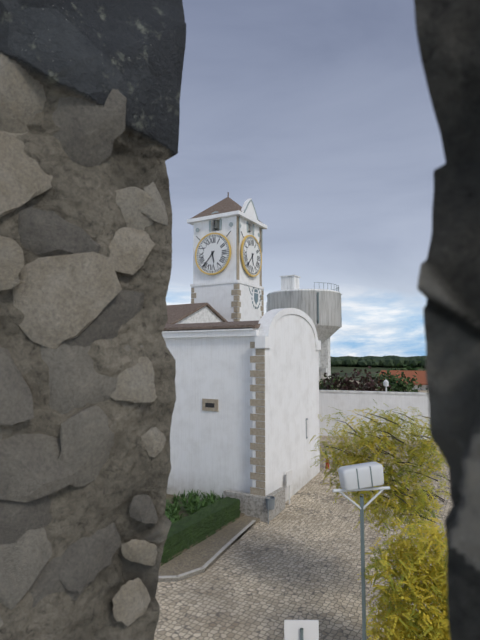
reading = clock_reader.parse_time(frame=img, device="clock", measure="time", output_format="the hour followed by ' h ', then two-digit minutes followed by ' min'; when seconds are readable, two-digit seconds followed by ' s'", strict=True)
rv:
5 h 37 min
